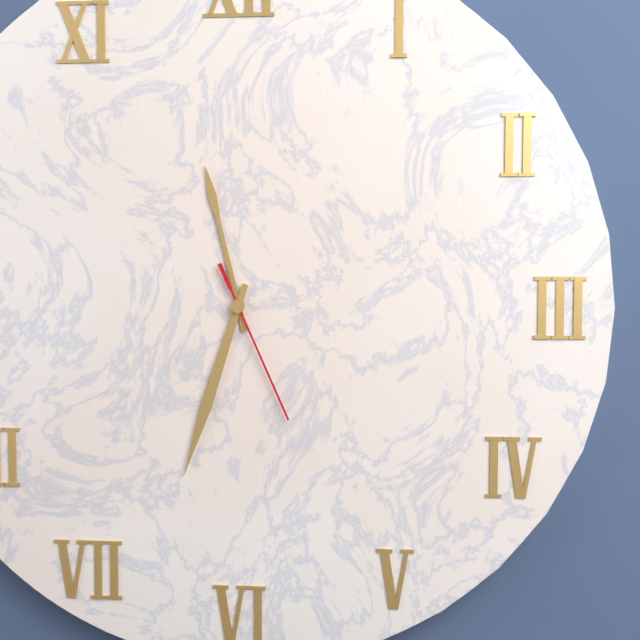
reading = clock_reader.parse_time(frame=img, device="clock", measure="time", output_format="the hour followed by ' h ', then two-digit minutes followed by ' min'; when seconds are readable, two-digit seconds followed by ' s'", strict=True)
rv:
11 h 33 min 26 s
